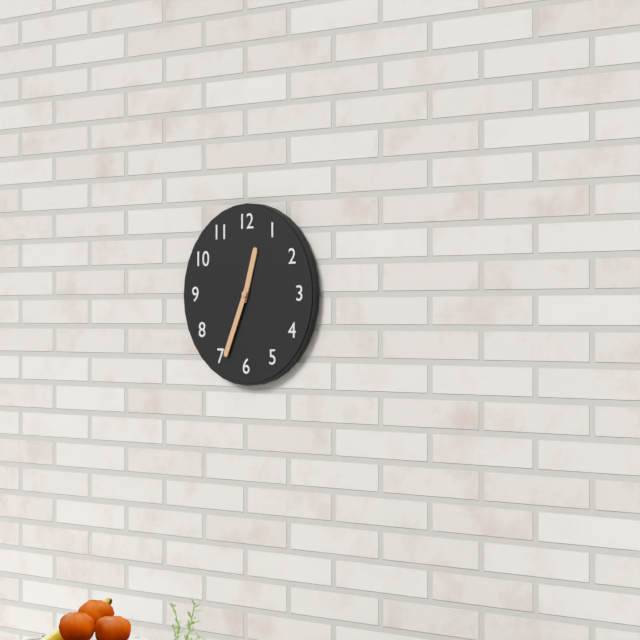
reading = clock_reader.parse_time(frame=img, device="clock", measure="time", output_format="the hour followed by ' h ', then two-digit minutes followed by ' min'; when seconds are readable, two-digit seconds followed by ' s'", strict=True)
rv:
12 h 34 min
